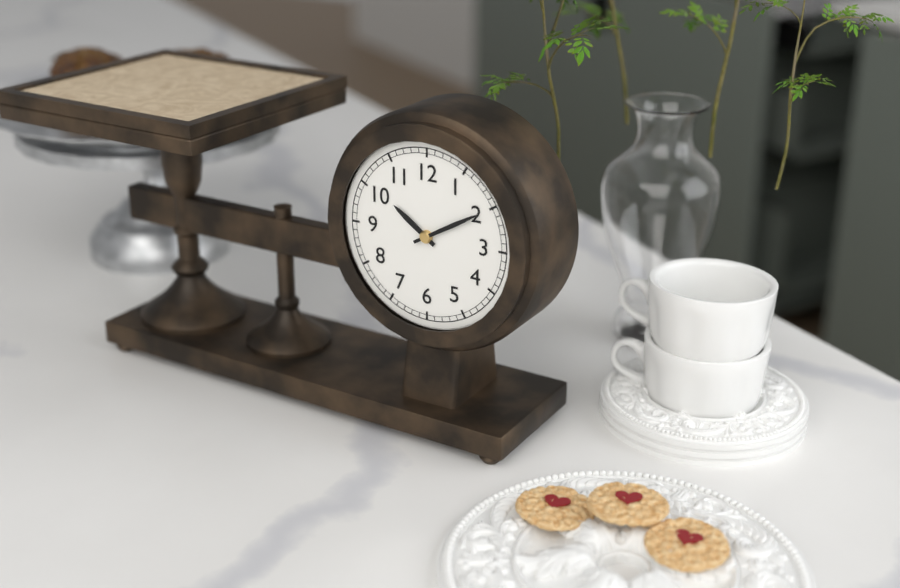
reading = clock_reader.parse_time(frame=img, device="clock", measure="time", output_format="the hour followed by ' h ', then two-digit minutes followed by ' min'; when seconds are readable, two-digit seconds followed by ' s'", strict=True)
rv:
10 h 10 min
